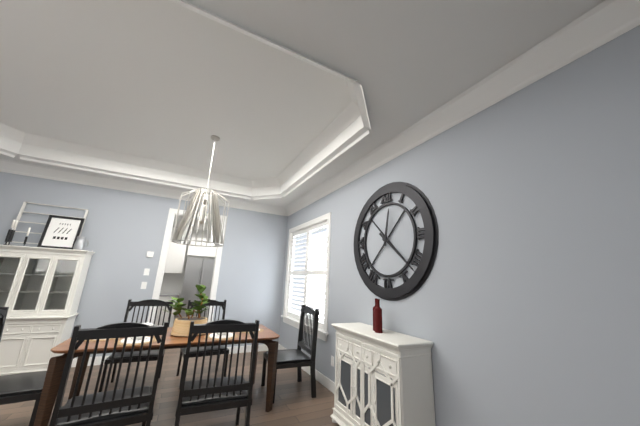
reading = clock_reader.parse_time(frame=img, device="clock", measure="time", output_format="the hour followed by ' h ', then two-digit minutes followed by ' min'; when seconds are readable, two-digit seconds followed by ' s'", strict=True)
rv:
12 h 22 min
